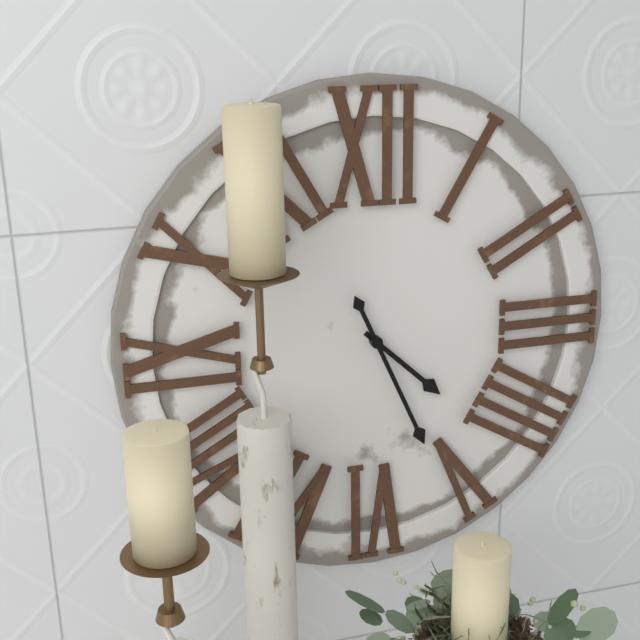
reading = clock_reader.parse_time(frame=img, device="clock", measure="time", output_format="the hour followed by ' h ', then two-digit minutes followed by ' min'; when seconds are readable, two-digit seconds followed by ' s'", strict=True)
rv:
4 h 26 min
